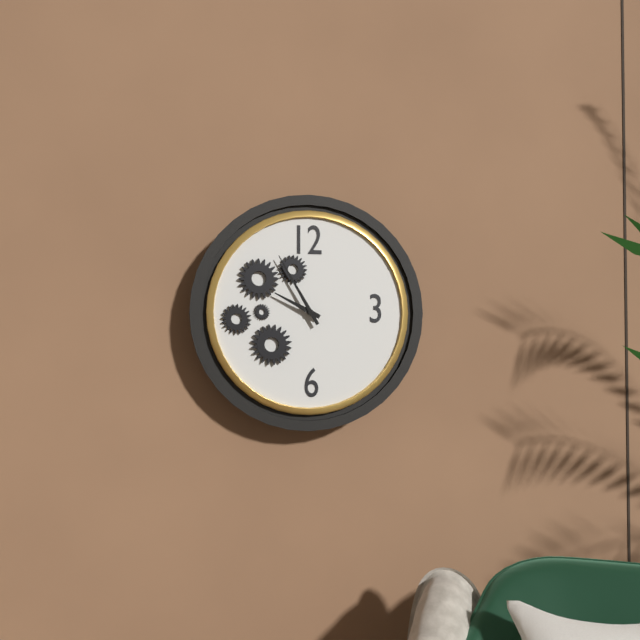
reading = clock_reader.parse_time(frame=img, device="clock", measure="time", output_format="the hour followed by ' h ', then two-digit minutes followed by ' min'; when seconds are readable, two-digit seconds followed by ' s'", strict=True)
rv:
9 h 55 min
